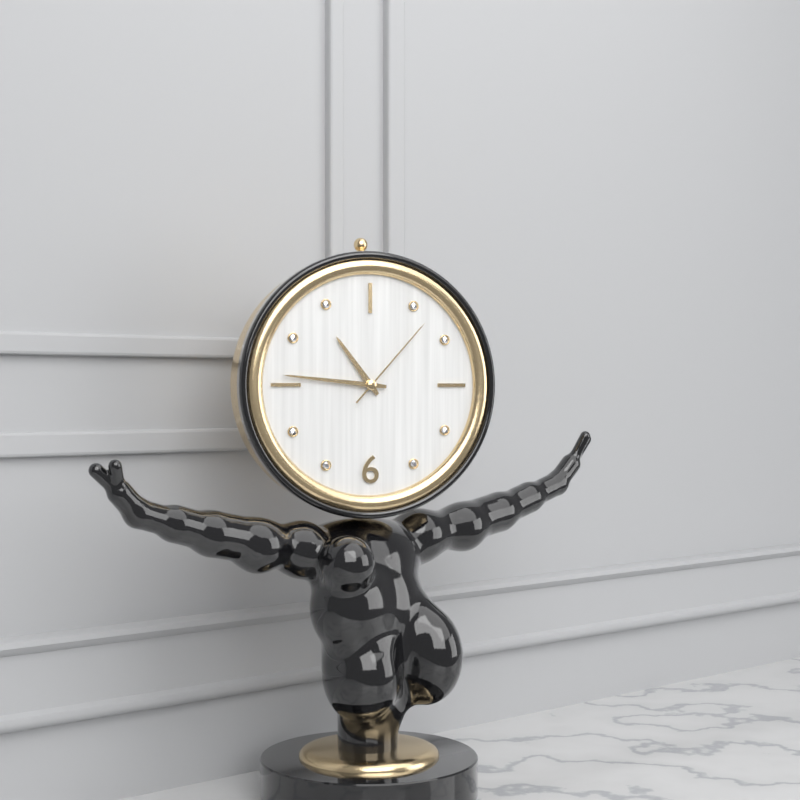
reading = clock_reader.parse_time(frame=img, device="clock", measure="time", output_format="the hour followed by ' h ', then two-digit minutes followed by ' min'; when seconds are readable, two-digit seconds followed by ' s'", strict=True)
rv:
10 h 46 min 07 s
